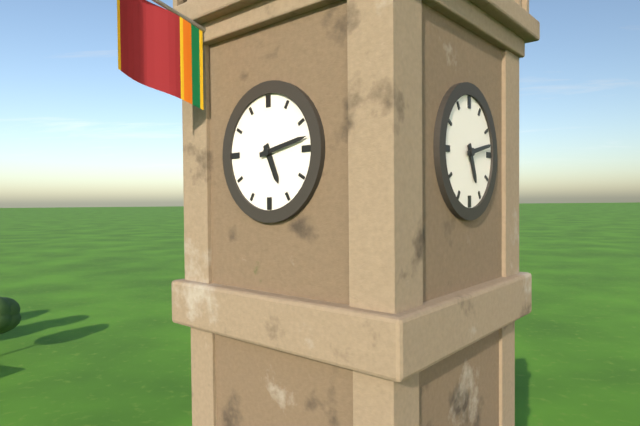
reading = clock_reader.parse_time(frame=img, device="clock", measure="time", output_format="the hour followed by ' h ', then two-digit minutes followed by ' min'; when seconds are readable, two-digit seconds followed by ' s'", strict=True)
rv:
5 h 13 min
